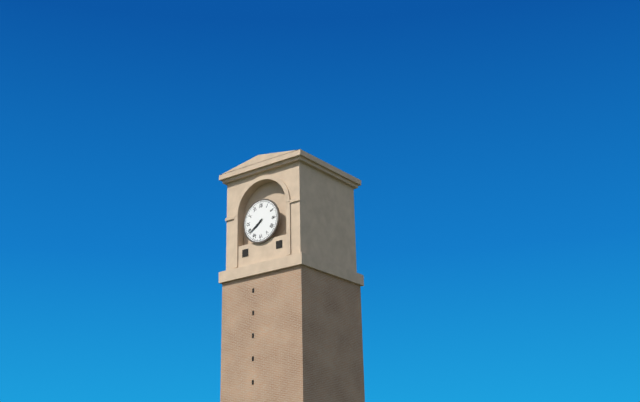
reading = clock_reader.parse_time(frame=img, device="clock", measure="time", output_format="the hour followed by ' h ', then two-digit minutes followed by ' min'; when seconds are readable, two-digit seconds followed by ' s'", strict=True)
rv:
7 h 39 min
